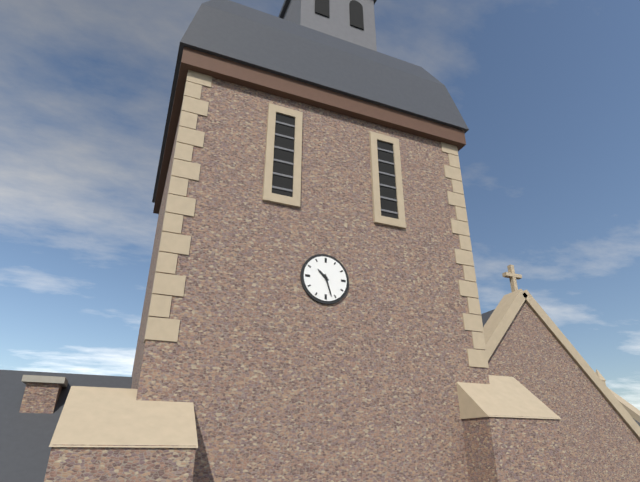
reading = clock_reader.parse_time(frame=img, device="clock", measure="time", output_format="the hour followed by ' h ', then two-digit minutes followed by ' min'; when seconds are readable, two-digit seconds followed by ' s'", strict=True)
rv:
10 h 27 min
